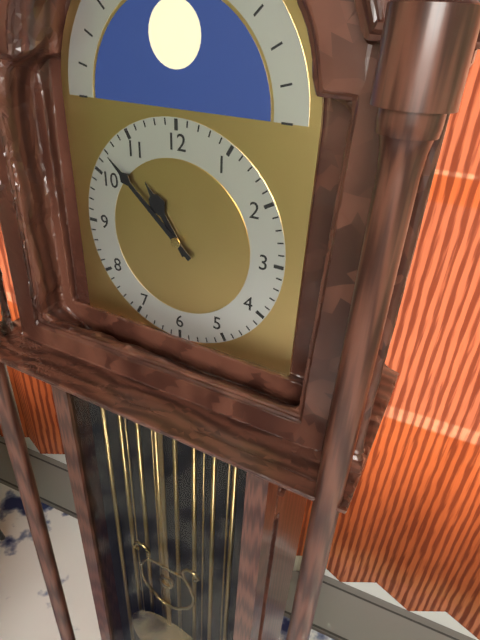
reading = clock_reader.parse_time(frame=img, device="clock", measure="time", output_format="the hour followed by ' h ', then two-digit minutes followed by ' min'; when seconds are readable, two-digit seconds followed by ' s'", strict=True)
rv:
10 h 52 min
